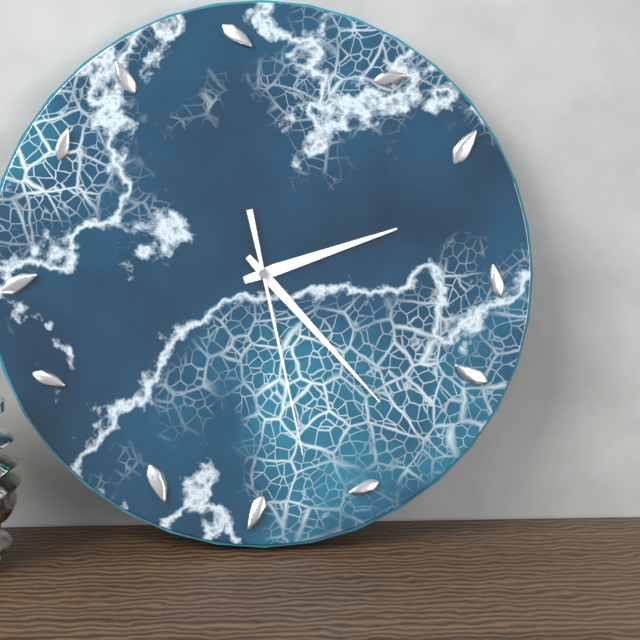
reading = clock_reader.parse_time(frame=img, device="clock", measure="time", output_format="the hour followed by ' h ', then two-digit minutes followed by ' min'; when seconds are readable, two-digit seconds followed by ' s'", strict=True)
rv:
2 h 23 min 28 s
